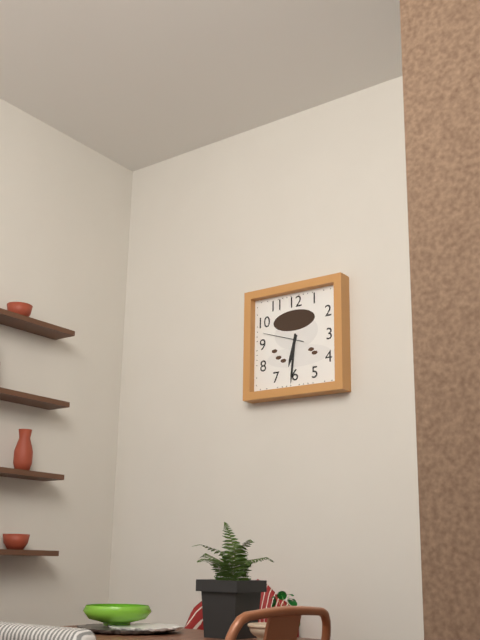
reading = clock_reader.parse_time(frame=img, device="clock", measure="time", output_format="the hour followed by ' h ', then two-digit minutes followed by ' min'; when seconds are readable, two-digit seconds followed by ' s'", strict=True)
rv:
6 h 31 min
